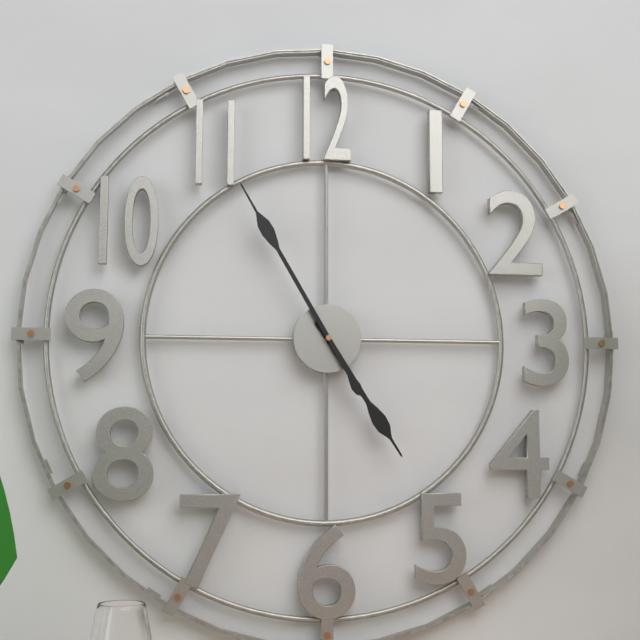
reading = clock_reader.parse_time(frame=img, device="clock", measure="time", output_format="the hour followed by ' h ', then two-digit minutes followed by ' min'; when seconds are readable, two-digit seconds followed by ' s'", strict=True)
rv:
4 h 55 min
